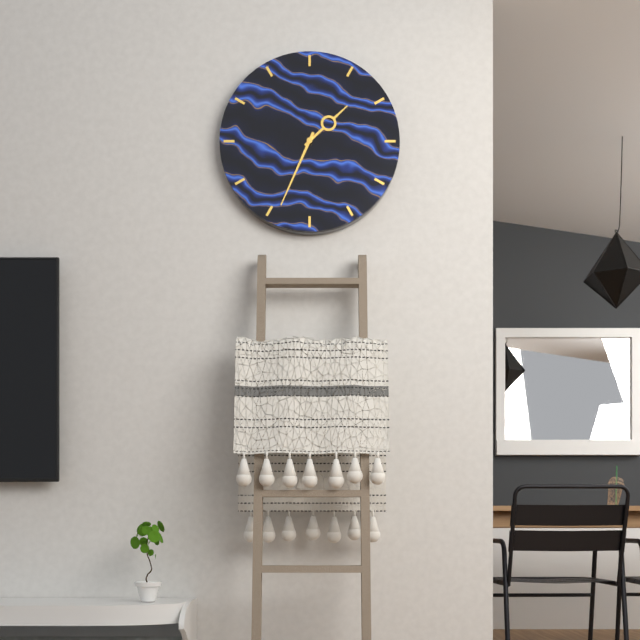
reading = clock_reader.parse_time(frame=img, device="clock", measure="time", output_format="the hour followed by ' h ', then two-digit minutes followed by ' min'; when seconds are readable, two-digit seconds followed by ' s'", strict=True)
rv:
1 h 34 min
